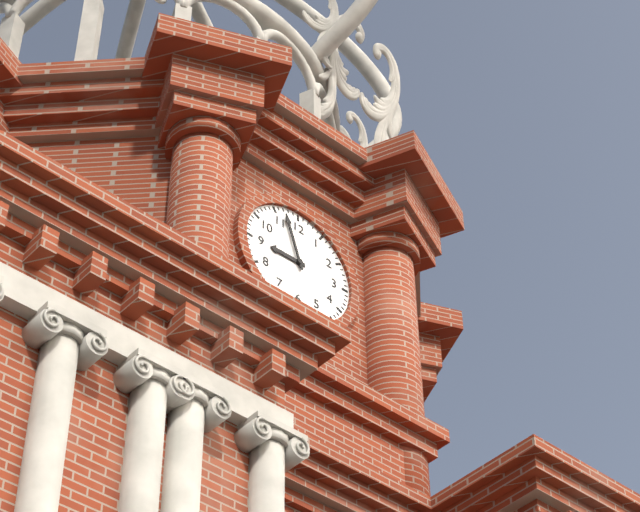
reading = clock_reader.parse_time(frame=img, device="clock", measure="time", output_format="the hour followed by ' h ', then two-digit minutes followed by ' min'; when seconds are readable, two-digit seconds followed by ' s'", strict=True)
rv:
8 h 57 min
